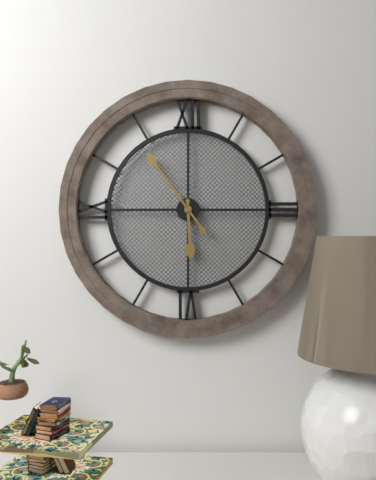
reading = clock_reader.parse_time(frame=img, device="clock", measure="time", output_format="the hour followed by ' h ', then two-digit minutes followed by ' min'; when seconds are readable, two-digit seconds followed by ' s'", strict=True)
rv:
5 h 54 min
